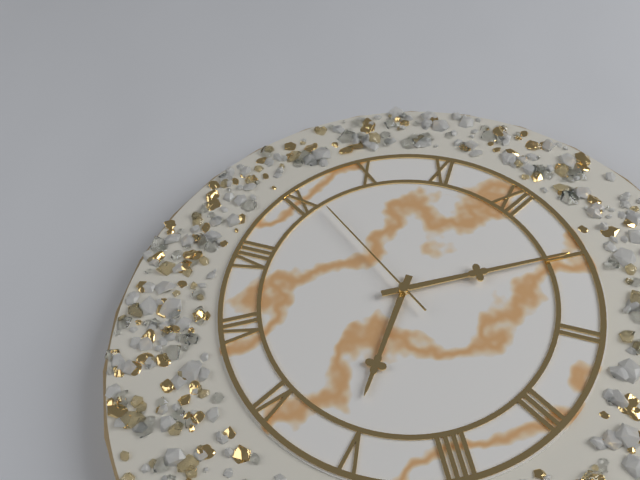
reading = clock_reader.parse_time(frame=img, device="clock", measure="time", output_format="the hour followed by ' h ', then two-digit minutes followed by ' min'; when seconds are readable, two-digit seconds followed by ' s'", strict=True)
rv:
5 h 05 min 46 s
